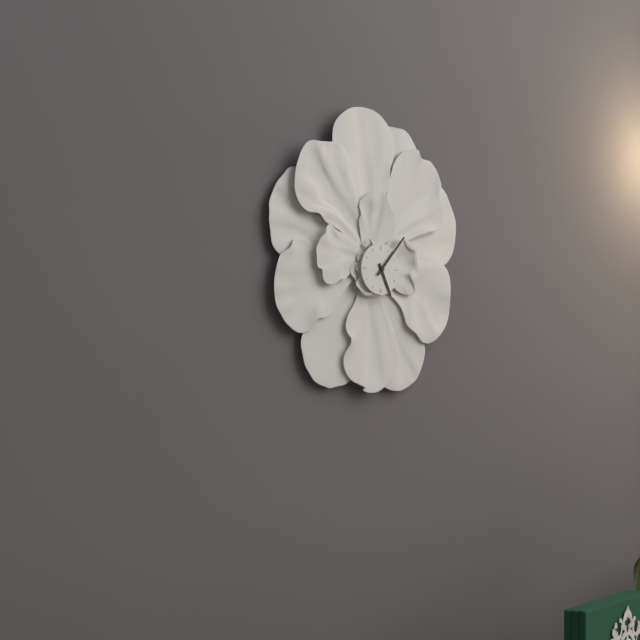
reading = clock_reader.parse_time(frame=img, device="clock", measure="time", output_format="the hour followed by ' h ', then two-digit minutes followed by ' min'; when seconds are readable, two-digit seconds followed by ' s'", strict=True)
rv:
5 h 07 min
